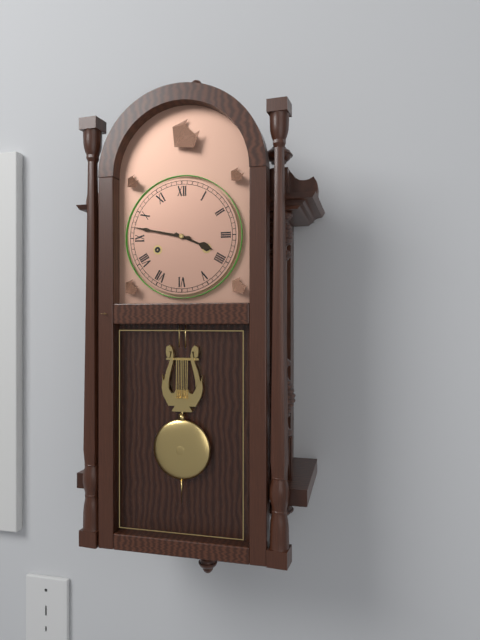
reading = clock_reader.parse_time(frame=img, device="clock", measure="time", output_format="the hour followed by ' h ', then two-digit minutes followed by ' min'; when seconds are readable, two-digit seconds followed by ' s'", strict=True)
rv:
3 h 47 min
